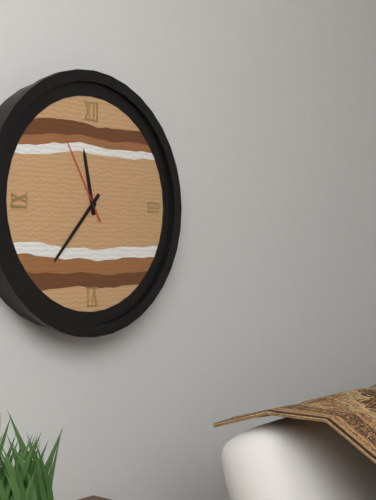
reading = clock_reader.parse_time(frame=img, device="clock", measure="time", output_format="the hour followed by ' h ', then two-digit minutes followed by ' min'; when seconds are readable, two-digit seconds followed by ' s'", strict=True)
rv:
11 h 37 min 55 s
